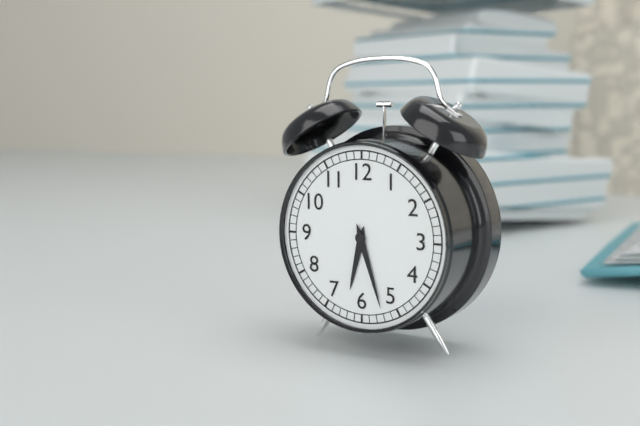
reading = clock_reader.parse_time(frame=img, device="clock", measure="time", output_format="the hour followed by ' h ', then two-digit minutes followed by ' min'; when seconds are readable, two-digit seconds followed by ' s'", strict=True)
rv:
6 h 27 min
